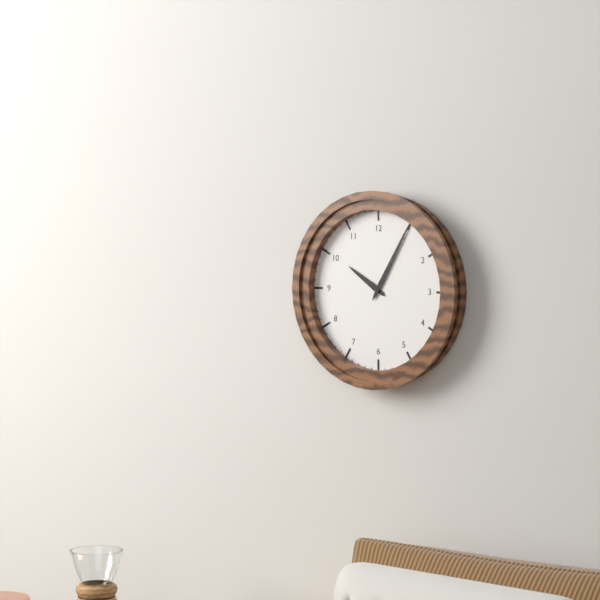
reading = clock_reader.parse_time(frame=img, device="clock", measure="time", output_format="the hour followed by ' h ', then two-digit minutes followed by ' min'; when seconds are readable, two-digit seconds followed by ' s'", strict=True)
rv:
10 h 05 min
